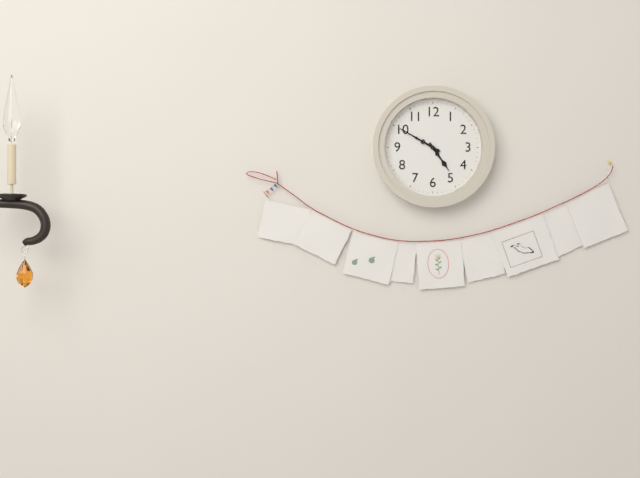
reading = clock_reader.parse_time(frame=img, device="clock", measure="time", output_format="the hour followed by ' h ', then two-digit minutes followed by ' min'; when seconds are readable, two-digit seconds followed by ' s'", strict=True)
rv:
4 h 50 min
